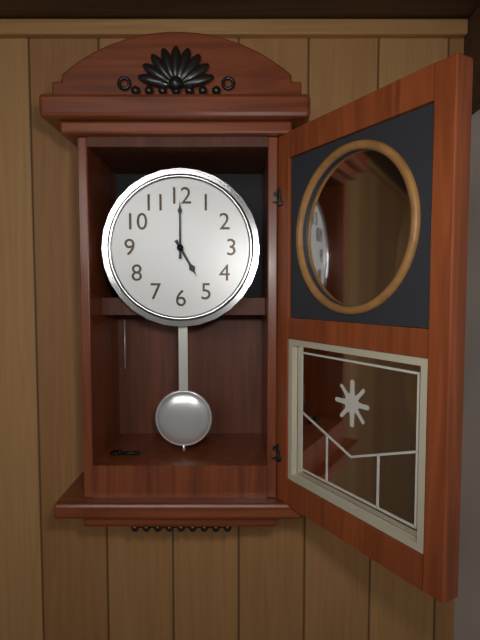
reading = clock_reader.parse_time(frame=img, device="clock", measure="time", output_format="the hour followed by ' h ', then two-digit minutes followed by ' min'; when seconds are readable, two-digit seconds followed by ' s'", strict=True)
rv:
5 h 00 min
